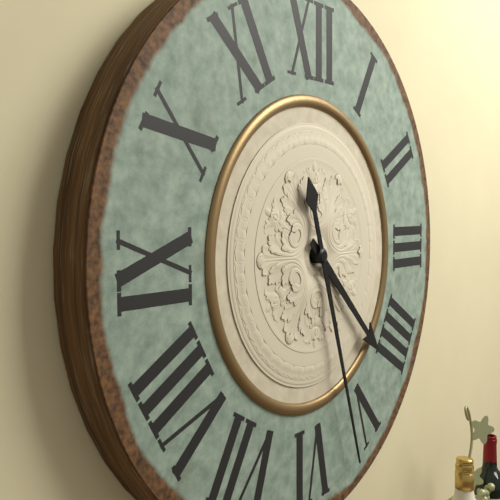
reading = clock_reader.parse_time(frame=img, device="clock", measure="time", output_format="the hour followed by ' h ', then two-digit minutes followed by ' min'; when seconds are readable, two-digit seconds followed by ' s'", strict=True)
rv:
4 h 27 min
